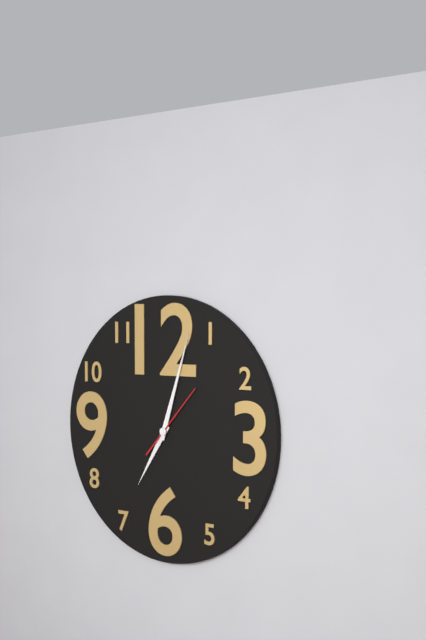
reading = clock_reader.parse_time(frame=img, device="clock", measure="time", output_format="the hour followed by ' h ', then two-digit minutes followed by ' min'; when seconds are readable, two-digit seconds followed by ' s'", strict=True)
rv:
7 h 03 min 07 s
